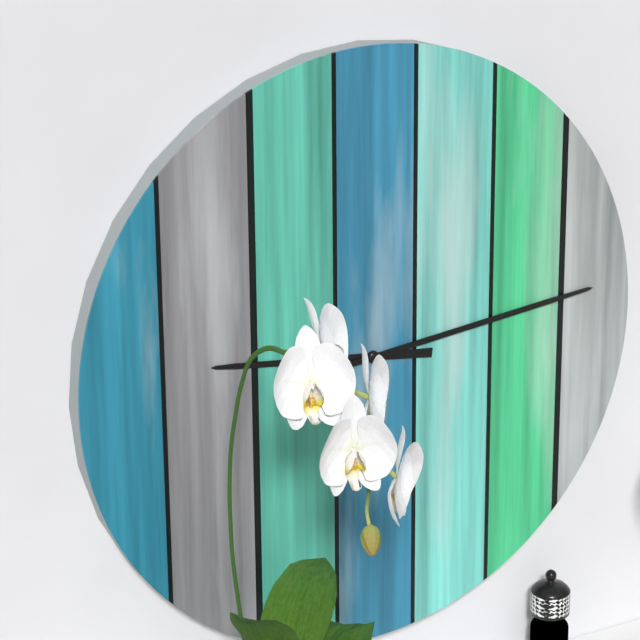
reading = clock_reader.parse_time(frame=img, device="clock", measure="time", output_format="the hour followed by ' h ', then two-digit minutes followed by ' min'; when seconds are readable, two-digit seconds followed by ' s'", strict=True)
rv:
9 h 14 min
